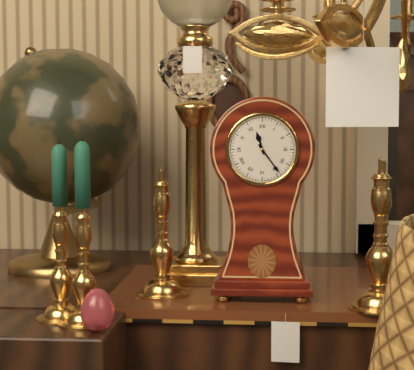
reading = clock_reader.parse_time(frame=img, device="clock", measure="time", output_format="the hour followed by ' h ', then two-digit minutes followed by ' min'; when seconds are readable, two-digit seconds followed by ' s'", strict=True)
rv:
11 h 24 min
